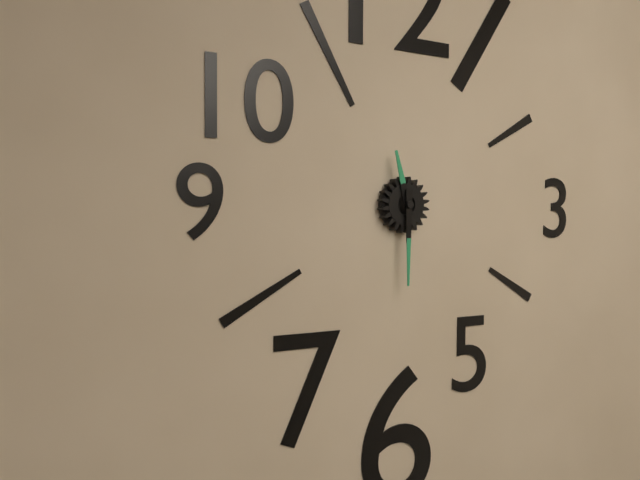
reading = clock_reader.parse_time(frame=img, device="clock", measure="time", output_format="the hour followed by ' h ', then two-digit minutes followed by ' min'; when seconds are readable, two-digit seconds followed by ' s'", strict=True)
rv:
11 h 30 min
